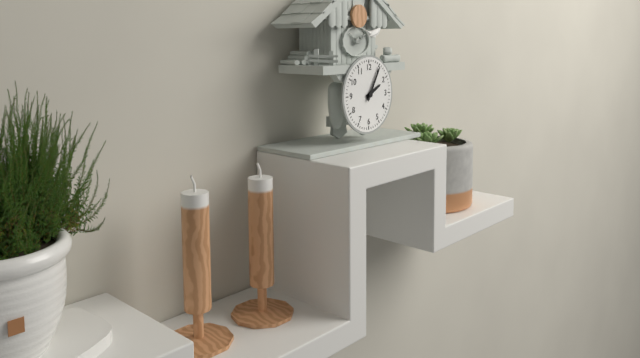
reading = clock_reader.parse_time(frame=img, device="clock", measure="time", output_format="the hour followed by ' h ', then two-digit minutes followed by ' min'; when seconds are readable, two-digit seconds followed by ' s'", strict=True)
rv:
2 h 05 min
